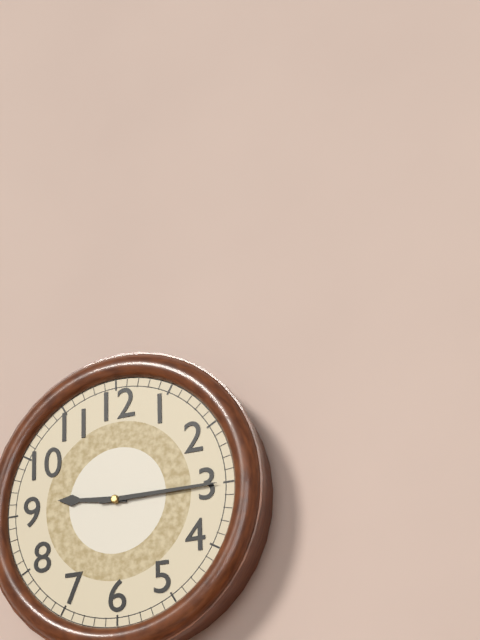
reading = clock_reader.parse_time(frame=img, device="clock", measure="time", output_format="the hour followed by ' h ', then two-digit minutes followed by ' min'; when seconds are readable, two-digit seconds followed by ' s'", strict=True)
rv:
9 h 15 min
